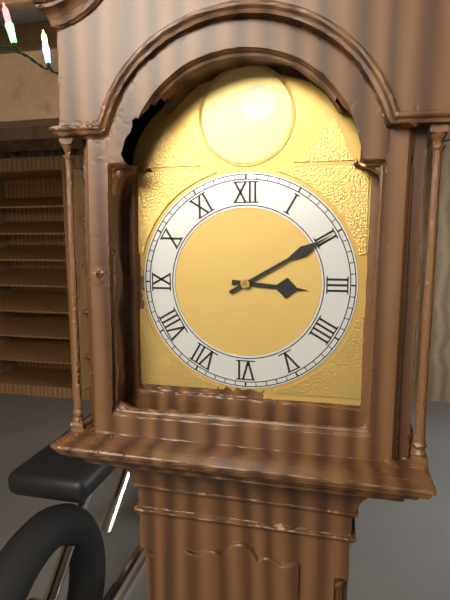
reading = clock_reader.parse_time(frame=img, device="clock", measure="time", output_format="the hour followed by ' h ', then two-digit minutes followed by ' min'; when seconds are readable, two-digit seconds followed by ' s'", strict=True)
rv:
3 h 10 min
